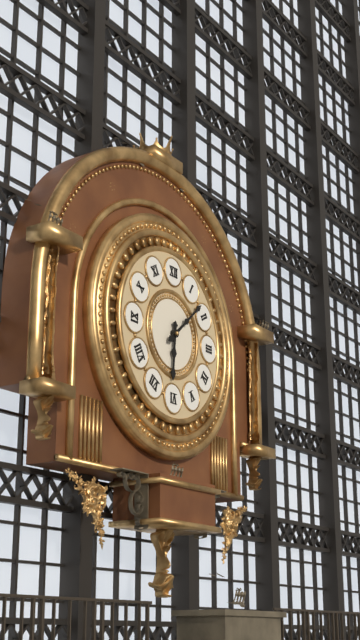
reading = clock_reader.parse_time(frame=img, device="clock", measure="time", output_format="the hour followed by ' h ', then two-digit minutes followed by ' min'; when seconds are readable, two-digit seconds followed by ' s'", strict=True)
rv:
6 h 08 min
